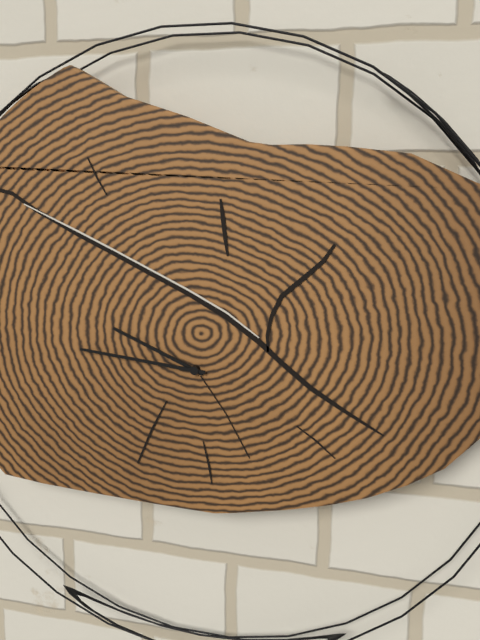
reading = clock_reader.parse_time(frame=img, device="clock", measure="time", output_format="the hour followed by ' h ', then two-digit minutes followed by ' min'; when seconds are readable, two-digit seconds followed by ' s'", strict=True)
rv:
9 h 46 min
